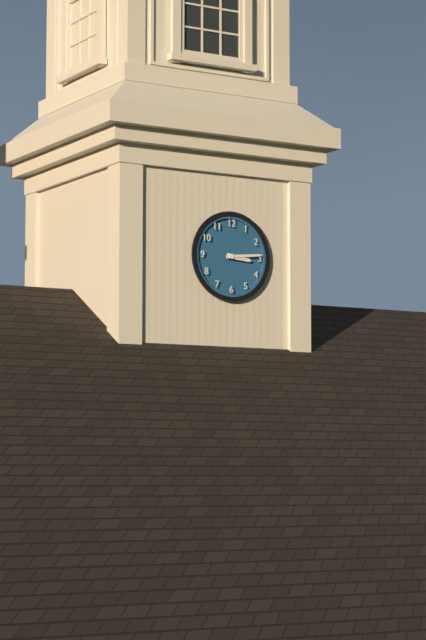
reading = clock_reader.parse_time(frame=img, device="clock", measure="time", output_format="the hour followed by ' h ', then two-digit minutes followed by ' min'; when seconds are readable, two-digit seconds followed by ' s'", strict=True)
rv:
3 h 14 min
